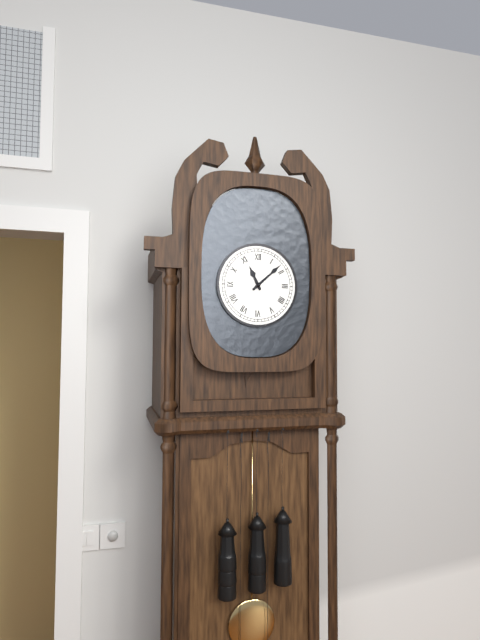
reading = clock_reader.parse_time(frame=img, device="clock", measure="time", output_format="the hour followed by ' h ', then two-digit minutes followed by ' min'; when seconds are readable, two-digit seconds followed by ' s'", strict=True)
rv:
11 h 08 min
